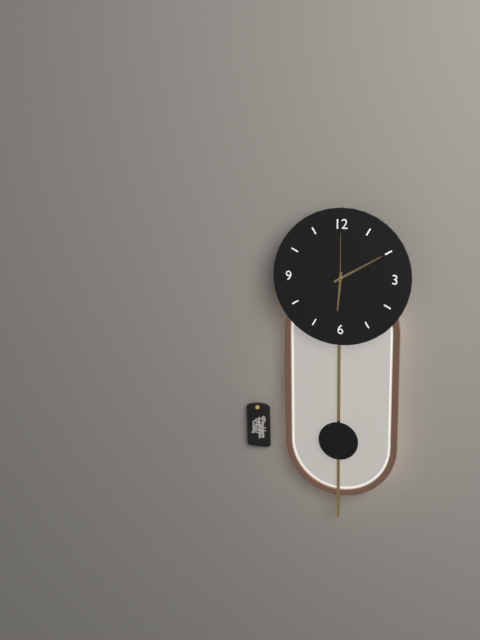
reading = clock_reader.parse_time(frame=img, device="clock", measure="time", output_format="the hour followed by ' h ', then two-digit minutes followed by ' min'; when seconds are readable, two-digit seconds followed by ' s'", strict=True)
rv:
6 h 10 min 00 s
